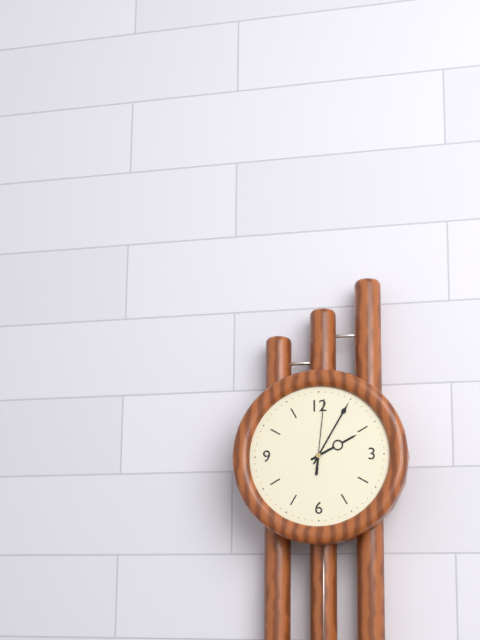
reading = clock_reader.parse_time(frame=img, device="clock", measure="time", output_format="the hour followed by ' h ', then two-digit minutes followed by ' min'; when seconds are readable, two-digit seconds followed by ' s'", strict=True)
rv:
2 h 05 min 01 s
